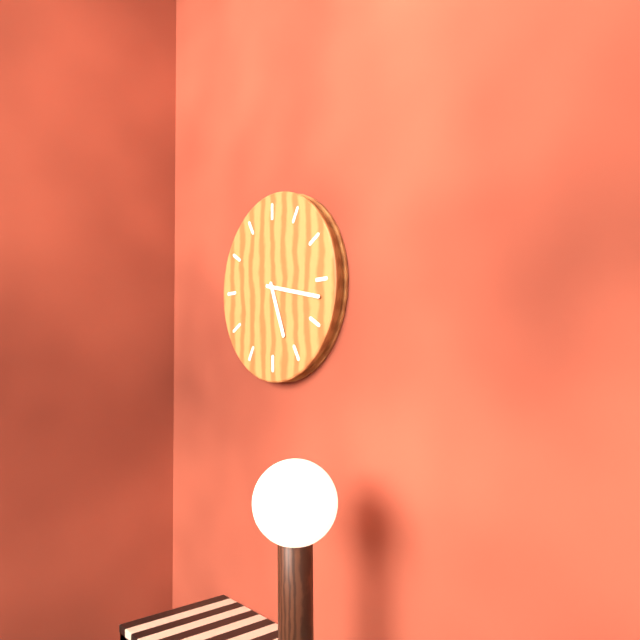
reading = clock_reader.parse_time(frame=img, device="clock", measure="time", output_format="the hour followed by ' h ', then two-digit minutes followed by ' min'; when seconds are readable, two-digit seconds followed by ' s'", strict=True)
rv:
5 h 17 min
